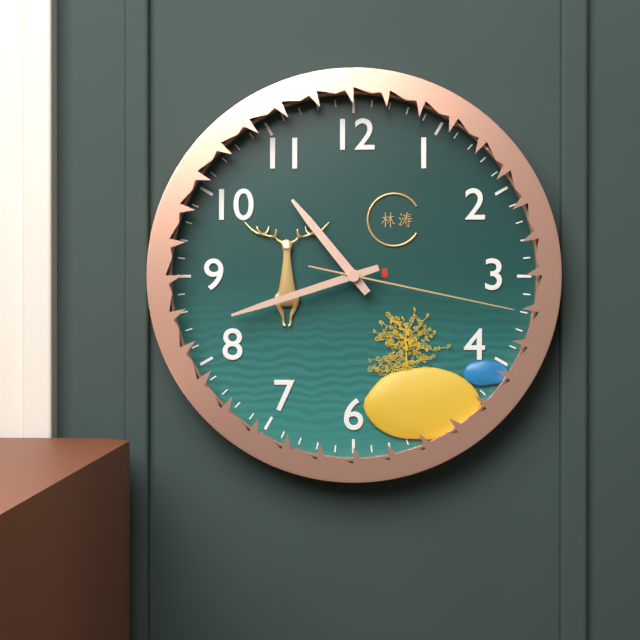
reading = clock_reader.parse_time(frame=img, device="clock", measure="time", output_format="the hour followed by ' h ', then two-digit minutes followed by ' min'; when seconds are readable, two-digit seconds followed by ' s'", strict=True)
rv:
10 h 42 min 17 s
